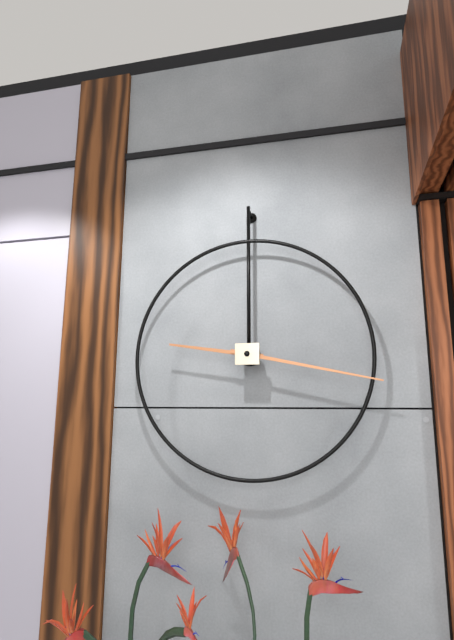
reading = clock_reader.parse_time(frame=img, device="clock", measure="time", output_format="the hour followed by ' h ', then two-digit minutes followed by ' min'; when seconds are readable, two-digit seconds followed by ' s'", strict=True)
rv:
9 h 17 min
